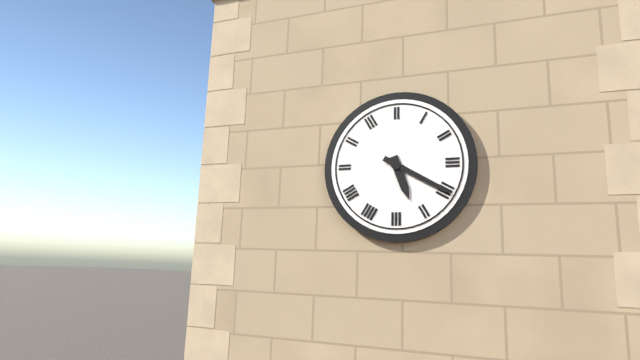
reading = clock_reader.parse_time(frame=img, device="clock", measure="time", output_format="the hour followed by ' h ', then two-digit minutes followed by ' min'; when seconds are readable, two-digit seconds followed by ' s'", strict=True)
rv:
5 h 20 min
